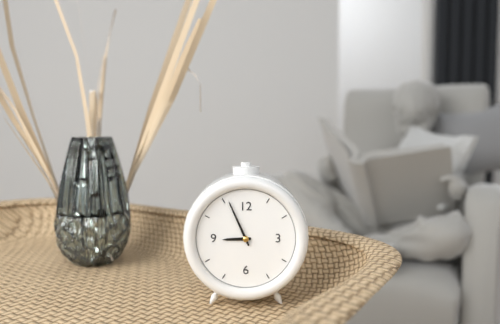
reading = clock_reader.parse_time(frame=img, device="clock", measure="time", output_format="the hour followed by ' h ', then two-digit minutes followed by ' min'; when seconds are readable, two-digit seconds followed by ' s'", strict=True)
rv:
8 h 56 min
